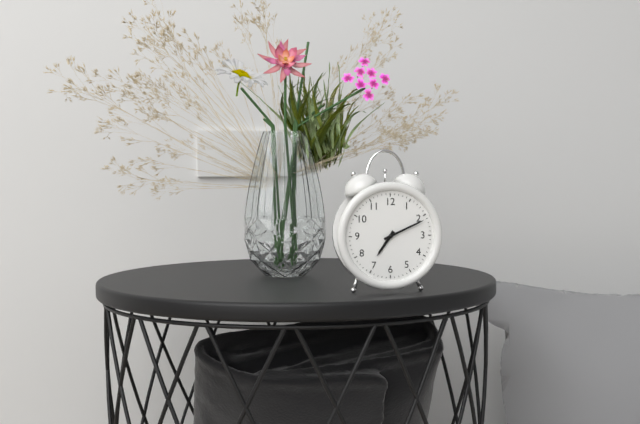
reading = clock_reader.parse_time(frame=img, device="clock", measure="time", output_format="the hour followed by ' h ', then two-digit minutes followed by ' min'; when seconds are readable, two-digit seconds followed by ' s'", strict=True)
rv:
7 h 11 min
